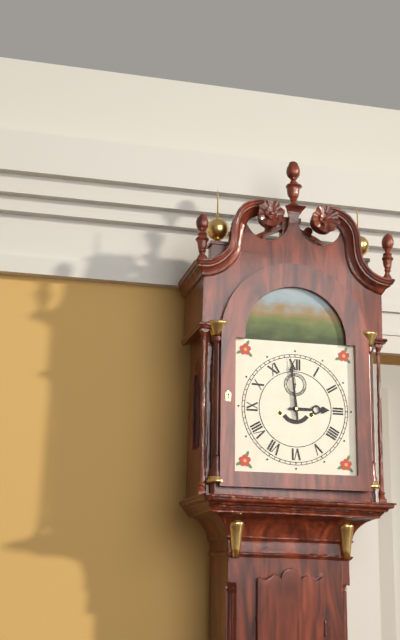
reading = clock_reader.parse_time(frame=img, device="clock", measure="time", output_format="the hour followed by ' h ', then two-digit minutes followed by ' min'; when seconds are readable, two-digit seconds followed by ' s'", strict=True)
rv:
2 h 59 min
